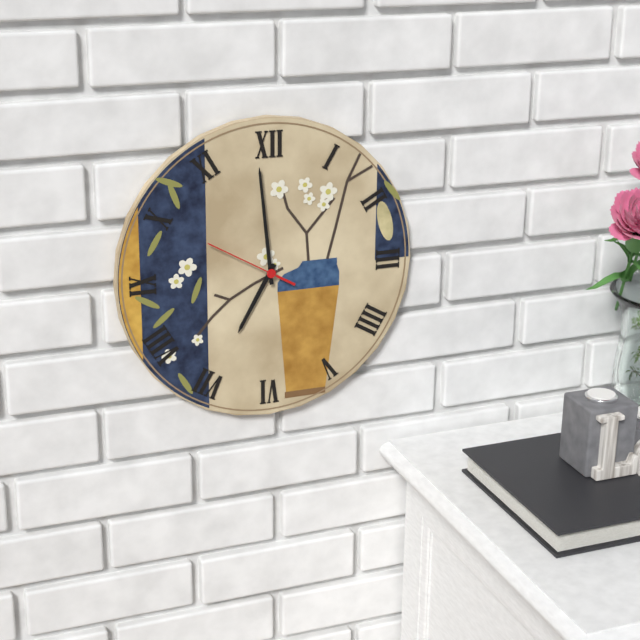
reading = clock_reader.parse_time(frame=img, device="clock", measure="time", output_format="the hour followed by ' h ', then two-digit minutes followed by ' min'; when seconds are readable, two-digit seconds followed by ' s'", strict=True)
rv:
6 h 59 min 50 s
